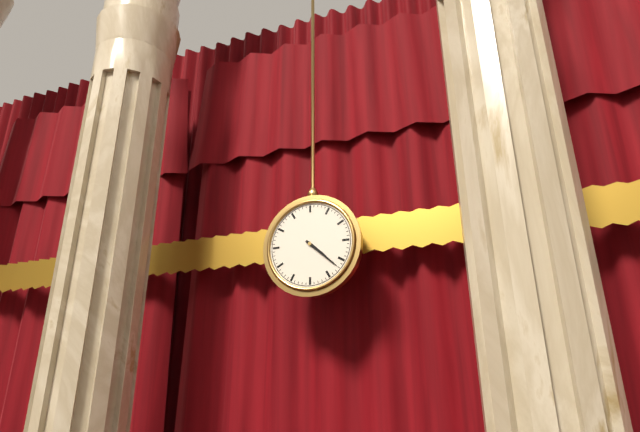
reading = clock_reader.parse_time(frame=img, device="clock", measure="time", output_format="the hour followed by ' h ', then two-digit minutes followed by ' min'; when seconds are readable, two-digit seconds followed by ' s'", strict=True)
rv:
4 h 22 min
